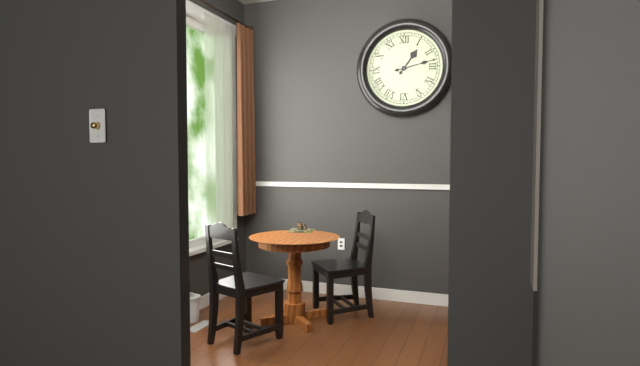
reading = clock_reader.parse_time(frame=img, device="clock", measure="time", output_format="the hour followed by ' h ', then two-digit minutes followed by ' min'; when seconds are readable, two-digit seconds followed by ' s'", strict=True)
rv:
1 h 13 min
